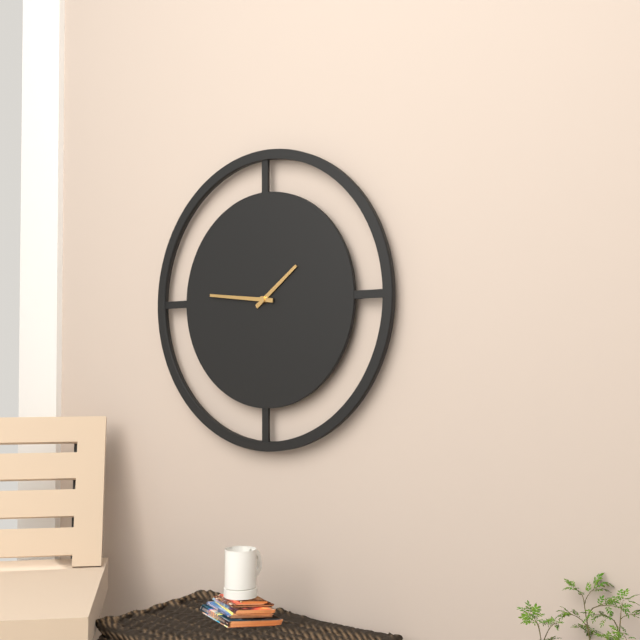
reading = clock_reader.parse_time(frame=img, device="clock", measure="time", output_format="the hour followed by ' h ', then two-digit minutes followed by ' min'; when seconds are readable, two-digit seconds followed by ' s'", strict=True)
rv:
1 h 46 min
